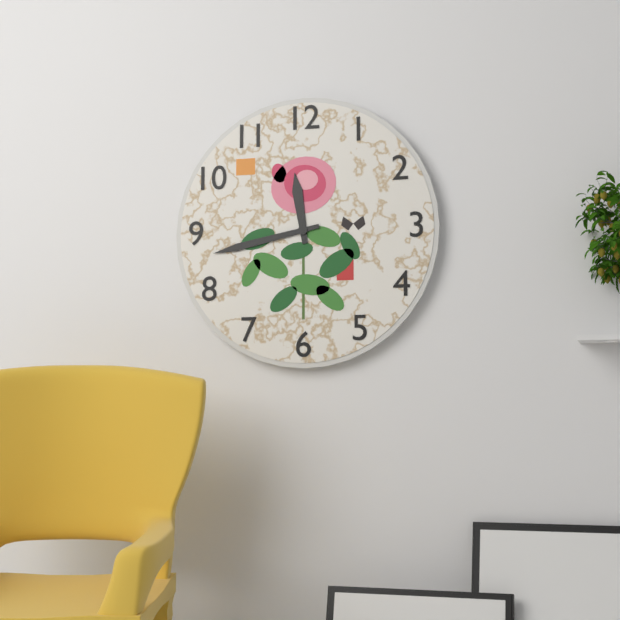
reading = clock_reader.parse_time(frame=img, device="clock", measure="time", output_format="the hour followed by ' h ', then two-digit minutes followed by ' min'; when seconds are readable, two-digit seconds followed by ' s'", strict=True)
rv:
11 h 43 min
